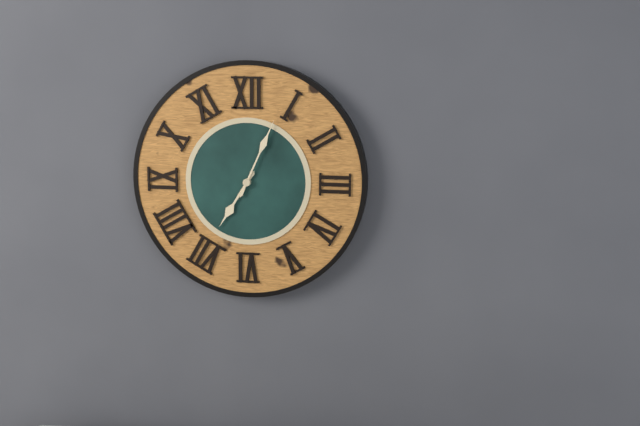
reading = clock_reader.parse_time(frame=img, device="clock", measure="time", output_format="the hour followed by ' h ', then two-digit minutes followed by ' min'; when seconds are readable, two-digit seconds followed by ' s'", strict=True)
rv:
7 h 04 min
